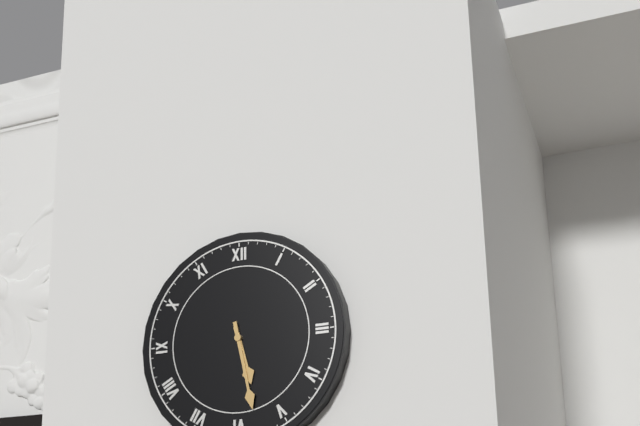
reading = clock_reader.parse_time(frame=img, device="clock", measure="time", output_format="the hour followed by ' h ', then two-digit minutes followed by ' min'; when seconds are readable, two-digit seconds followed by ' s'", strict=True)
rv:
5 h 28 min
